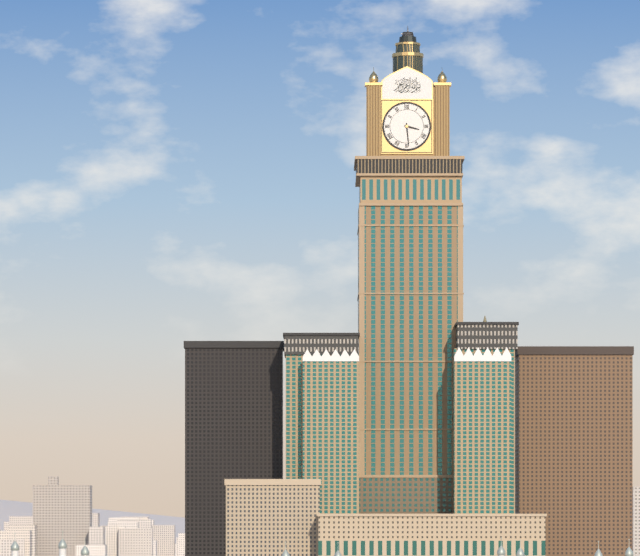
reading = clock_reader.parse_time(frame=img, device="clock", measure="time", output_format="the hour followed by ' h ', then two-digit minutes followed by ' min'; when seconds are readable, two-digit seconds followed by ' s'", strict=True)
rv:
3 h 29 min
